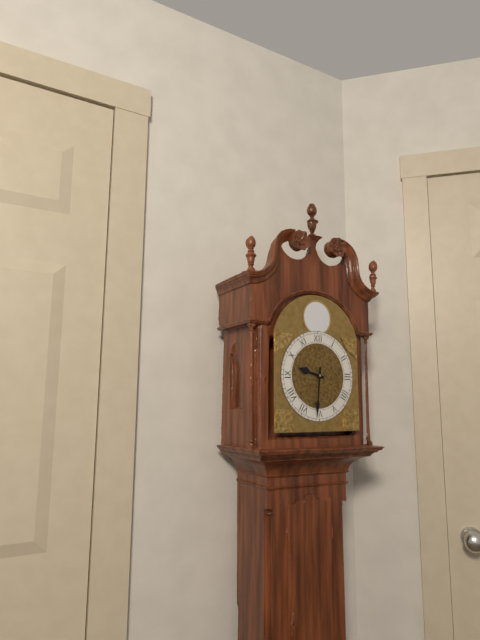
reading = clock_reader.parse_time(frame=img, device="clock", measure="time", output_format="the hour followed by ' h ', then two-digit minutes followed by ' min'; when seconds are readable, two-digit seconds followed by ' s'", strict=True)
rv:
9 h 31 min
